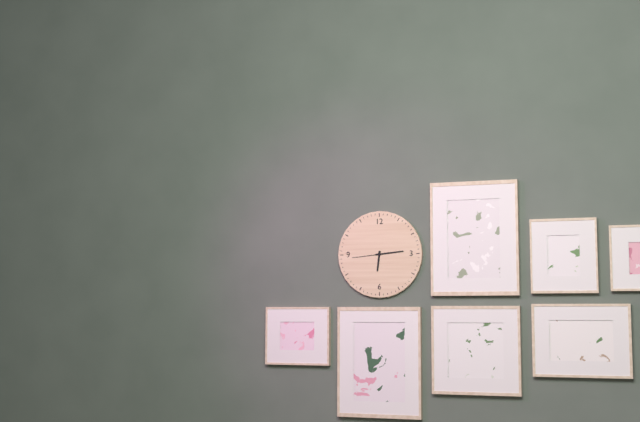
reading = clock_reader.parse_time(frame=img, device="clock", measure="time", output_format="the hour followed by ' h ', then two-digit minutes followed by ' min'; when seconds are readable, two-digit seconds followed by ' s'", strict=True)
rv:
6 h 14 min
